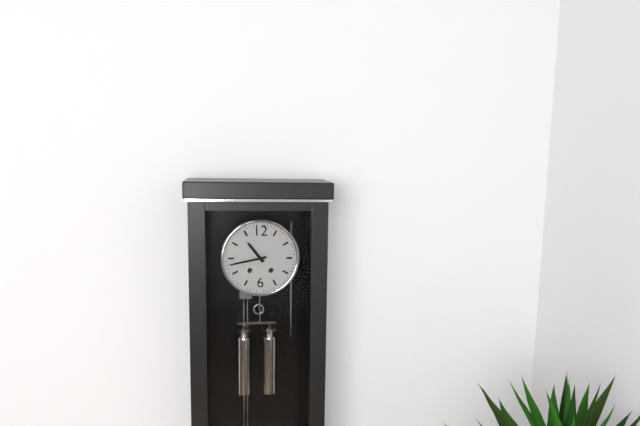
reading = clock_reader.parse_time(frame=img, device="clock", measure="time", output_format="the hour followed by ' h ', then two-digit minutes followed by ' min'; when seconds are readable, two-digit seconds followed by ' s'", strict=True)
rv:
10 h 43 min
